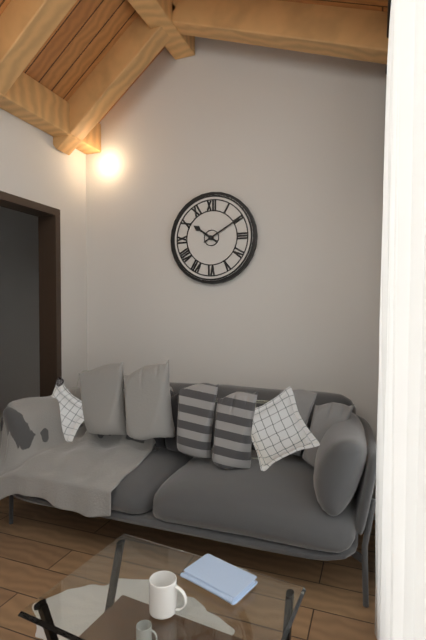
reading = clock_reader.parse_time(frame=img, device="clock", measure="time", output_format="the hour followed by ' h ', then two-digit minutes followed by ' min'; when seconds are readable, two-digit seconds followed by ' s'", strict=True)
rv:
10 h 10 min
